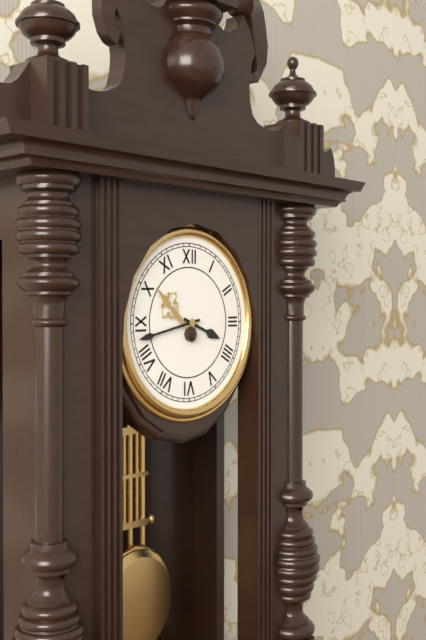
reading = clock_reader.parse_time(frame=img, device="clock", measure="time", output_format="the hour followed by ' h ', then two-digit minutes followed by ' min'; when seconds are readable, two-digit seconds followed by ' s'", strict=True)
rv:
3 h 43 min
